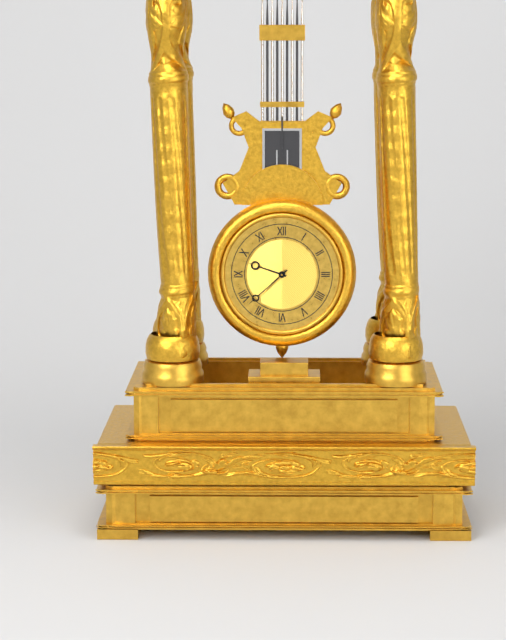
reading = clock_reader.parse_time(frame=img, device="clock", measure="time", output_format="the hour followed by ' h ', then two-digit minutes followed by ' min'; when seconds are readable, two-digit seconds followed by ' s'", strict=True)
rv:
9 h 38 min
